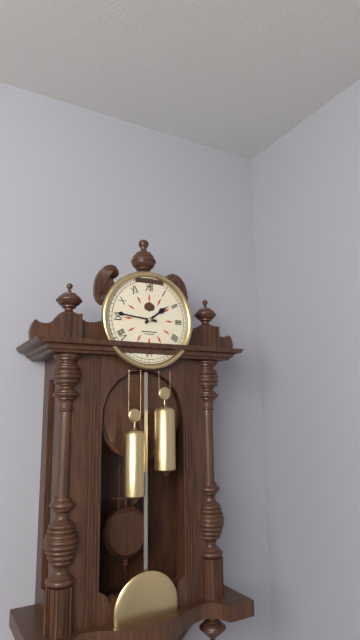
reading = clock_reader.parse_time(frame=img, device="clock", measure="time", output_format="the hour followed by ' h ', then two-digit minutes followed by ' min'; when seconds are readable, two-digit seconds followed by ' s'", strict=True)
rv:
1 h 46 min
